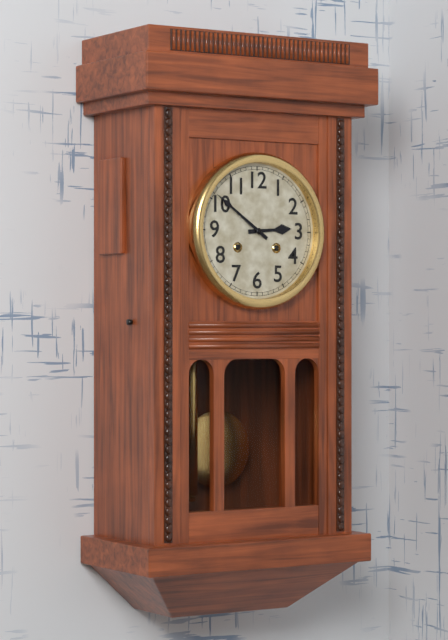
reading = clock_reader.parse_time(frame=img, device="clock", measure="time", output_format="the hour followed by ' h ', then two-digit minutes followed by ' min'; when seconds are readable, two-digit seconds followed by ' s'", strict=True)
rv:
2 h 51 min
